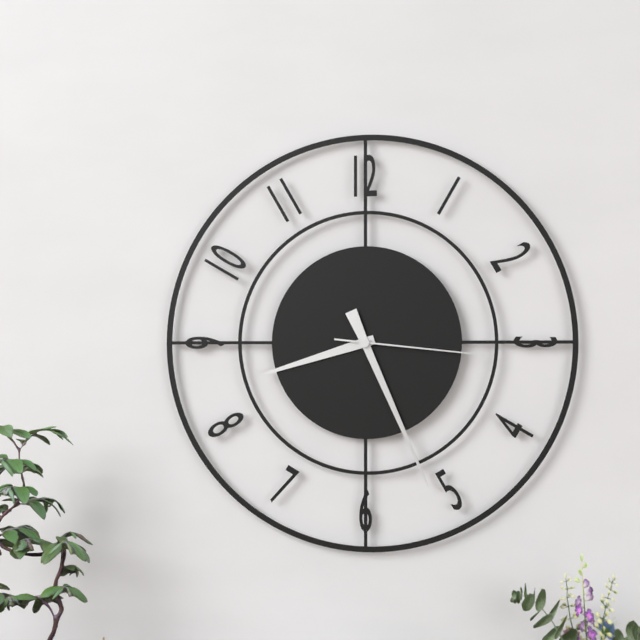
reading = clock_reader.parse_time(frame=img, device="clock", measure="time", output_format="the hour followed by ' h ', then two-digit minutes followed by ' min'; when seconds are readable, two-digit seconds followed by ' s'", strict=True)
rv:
8 h 26 min 16 s
